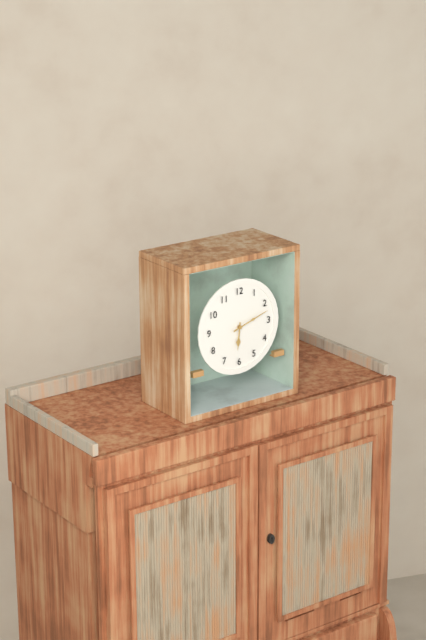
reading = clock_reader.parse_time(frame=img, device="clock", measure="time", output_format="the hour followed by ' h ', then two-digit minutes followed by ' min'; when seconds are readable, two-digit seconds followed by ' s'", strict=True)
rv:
6 h 12 min
